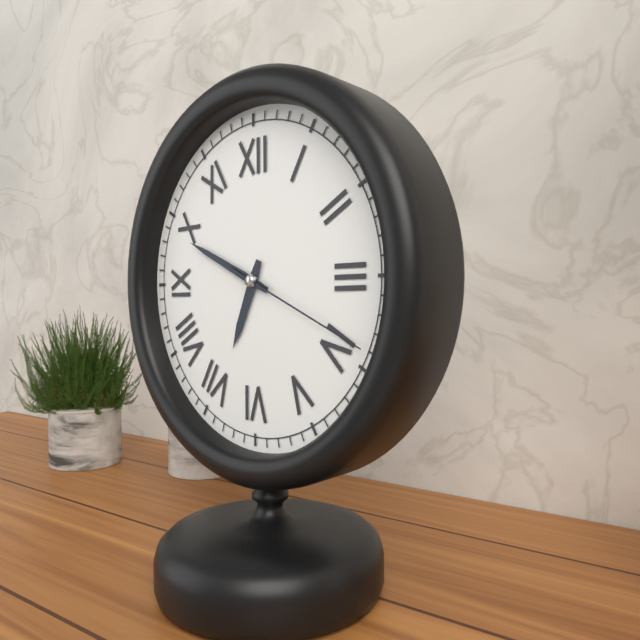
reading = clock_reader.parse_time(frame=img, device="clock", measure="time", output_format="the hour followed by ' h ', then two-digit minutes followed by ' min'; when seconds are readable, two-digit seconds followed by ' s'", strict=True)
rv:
6 h 49 min 19 s
